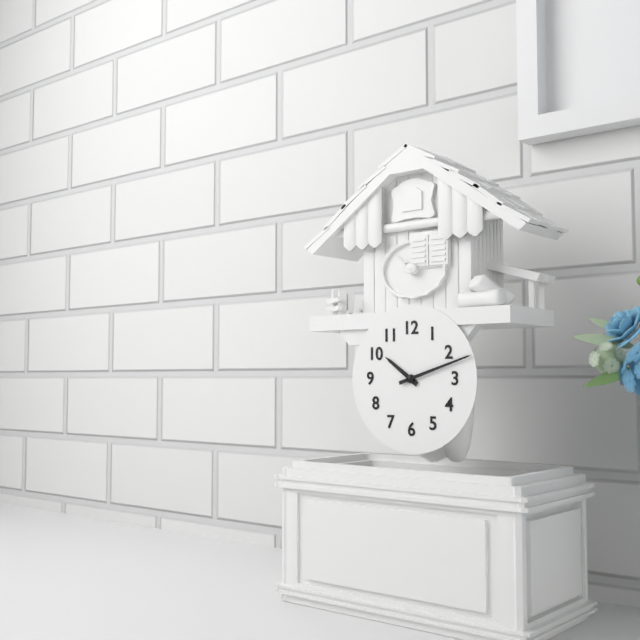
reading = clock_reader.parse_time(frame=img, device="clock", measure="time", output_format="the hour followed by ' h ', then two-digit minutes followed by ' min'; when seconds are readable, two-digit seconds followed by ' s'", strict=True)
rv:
10 h 12 min
